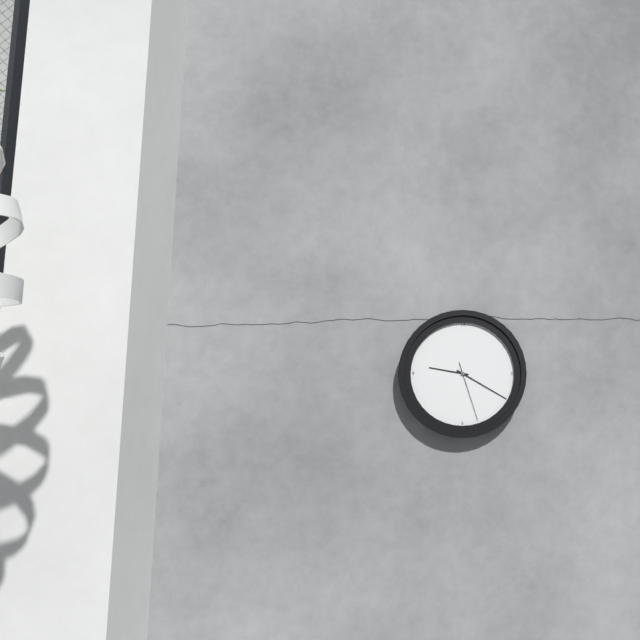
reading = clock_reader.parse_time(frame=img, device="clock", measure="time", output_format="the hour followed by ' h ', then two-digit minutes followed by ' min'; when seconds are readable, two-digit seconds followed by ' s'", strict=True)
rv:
9 h 20 min 27 s
